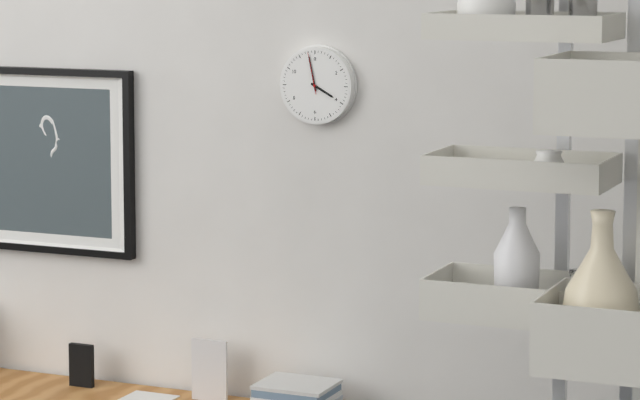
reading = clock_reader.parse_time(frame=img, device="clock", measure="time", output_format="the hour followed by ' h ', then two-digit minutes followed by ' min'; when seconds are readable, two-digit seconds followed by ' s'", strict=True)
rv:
3 h 58 min
